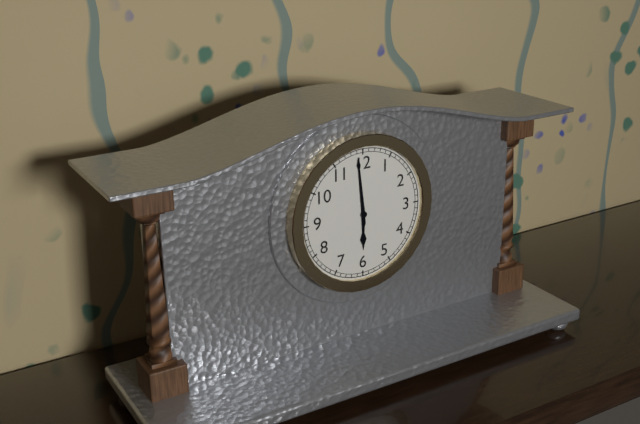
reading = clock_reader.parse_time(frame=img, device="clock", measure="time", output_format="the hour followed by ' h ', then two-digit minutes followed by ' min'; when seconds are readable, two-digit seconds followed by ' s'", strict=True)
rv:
5 h 59 min
